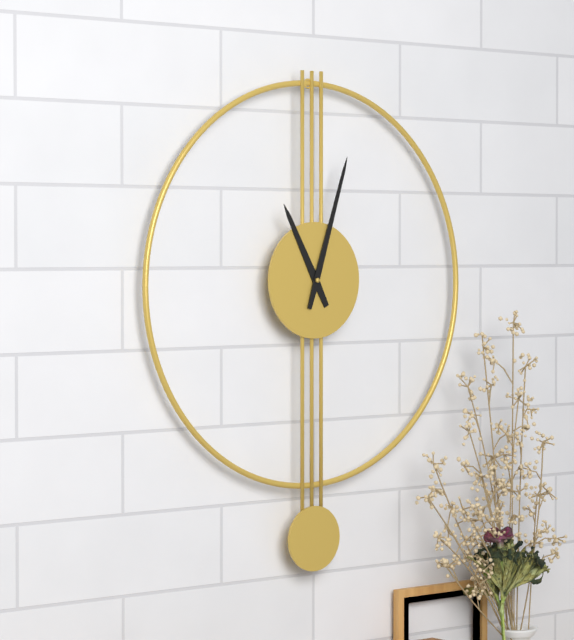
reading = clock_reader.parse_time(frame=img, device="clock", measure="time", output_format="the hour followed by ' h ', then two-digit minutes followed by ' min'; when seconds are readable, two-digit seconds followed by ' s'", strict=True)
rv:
11 h 03 min
